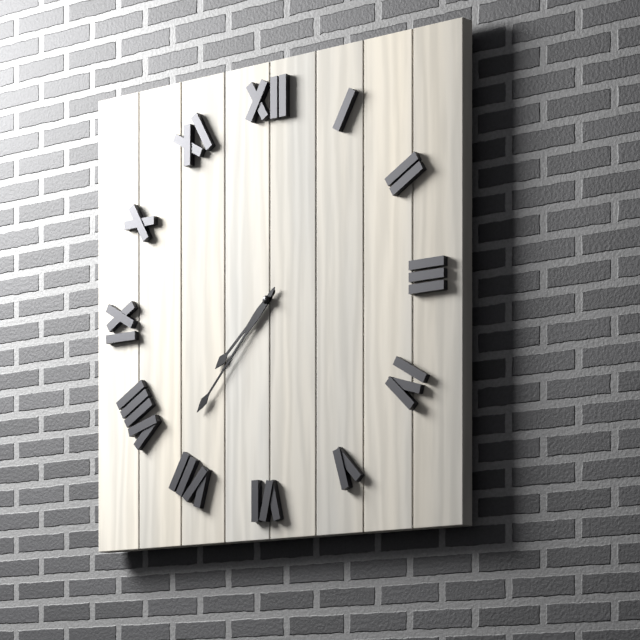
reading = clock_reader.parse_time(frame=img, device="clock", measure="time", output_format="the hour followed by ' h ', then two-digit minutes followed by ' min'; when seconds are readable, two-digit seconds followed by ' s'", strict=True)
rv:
7 h 37 min
